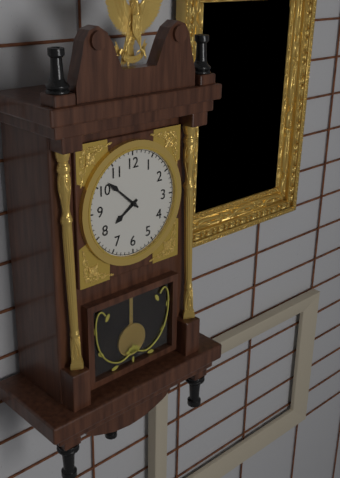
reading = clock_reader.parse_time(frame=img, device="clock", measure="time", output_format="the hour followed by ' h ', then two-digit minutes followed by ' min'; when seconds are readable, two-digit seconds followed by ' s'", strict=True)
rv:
7 h 52 min
